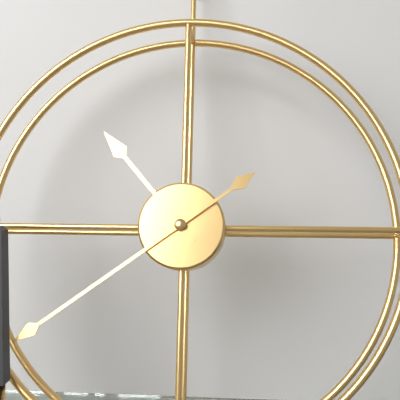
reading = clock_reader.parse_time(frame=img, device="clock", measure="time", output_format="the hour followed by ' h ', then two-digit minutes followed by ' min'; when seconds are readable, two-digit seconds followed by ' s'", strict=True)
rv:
10 h 39 min
